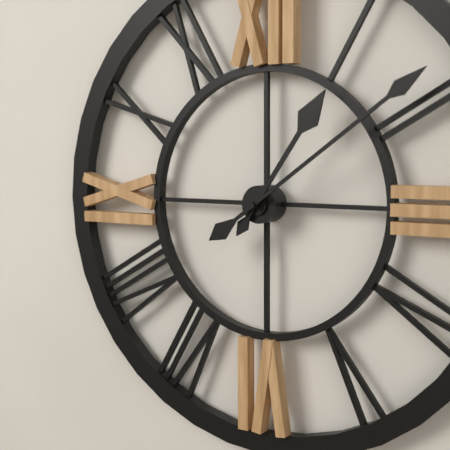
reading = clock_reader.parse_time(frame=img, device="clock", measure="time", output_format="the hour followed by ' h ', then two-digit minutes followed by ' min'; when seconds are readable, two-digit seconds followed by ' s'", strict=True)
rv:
1 h 09 min
